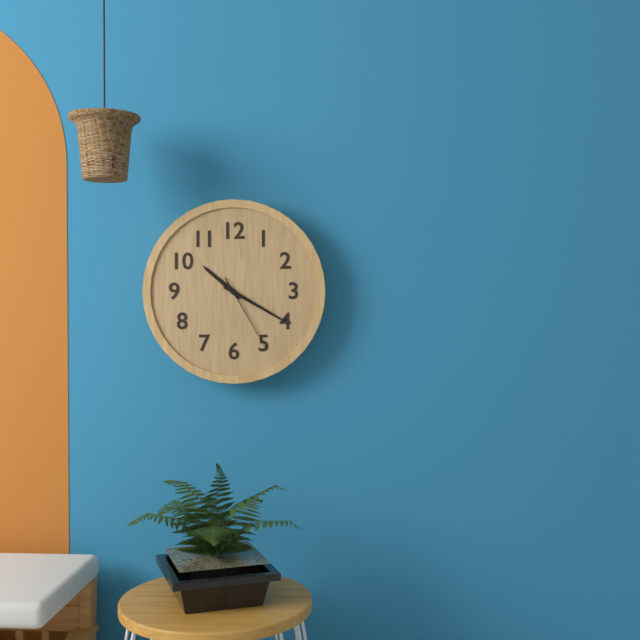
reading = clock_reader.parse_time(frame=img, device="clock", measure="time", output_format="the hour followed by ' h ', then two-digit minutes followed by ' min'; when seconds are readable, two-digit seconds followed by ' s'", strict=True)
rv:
10 h 20 min 25 s
